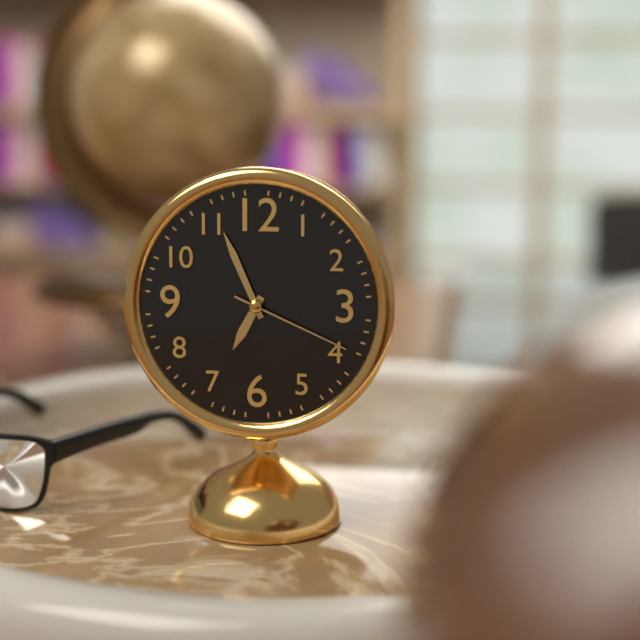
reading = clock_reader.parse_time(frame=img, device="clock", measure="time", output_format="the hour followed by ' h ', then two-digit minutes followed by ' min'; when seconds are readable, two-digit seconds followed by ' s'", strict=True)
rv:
6 h 56 min 19 s
